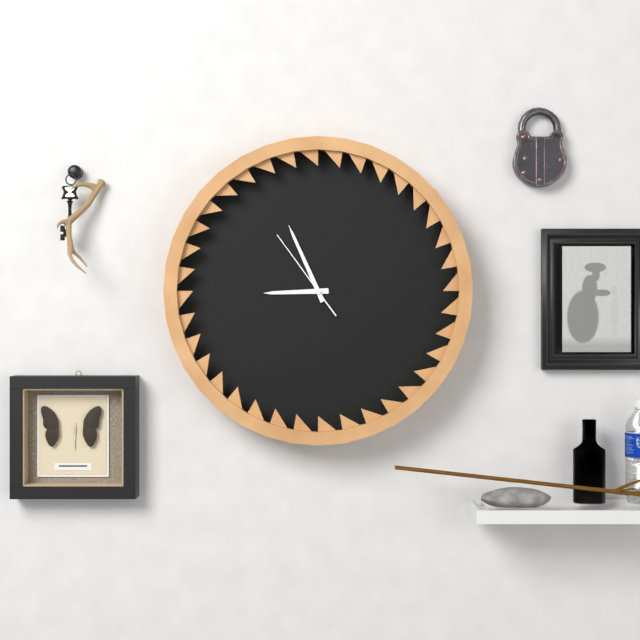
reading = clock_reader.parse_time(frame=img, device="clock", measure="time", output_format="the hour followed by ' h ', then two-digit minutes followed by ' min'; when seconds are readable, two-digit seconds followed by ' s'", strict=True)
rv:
8 h 56 min 54 s
